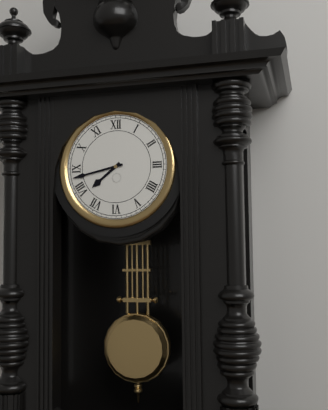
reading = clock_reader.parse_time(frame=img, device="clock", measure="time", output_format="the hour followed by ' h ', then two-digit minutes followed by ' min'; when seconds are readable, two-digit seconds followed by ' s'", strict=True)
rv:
7 h 43 min
